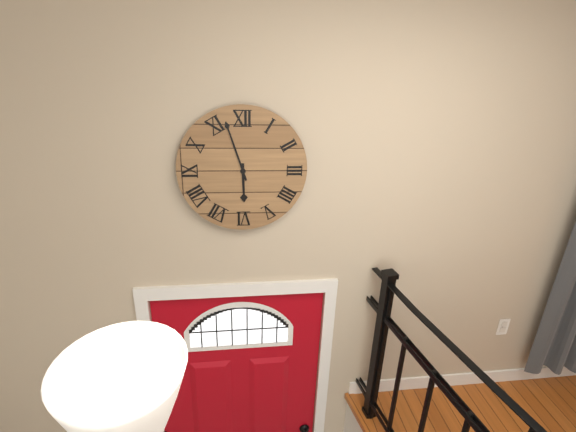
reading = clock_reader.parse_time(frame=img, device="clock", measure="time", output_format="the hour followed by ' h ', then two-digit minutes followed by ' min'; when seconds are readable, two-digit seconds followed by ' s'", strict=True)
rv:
5 h 57 min
